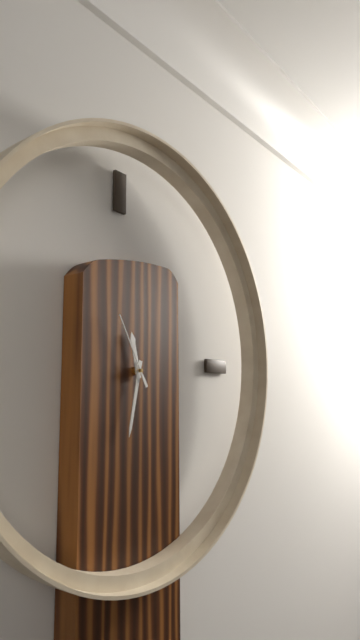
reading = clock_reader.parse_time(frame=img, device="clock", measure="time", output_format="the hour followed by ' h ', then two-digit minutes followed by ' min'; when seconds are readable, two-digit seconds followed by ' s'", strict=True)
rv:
11 h 32 min 55 s
